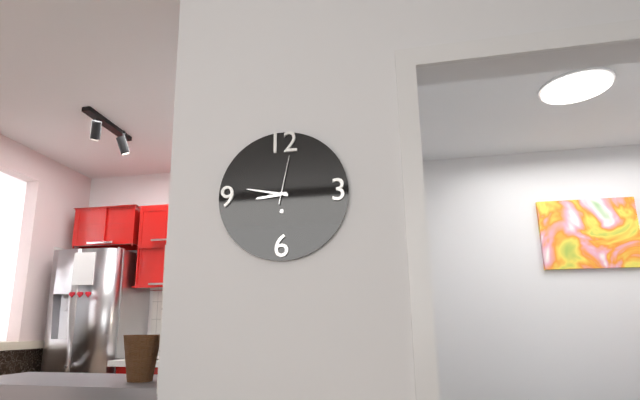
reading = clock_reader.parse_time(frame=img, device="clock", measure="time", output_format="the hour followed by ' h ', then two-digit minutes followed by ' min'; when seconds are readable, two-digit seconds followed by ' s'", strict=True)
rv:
8 h 47 min 02 s
